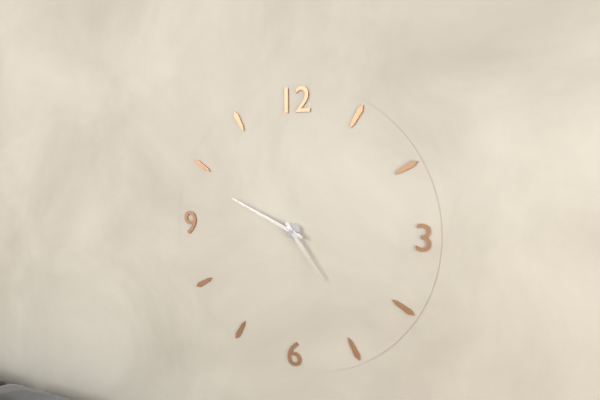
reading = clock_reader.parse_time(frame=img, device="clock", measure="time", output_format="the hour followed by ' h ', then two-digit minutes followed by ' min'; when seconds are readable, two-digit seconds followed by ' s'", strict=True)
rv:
4 h 49 min
